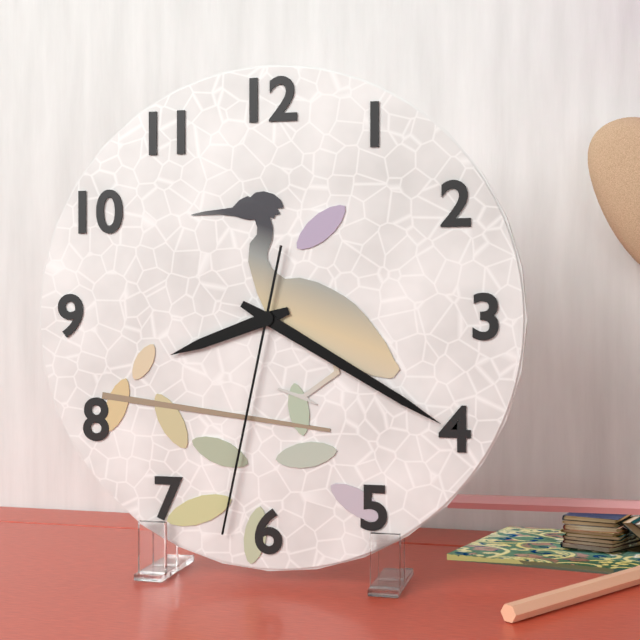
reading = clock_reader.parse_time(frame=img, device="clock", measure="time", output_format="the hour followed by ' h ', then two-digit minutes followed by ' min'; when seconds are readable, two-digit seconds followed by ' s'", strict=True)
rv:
8 h 20 min 32 s
